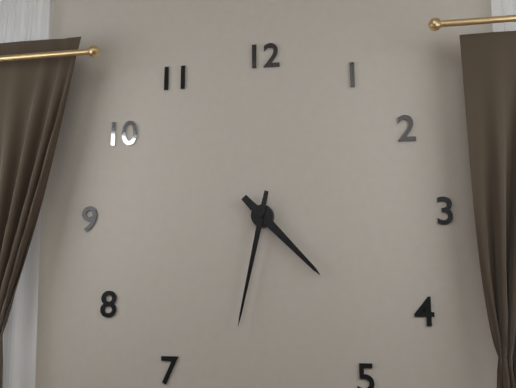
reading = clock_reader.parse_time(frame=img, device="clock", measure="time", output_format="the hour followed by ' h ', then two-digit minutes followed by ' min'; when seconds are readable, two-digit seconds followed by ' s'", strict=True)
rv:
4 h 32 min
